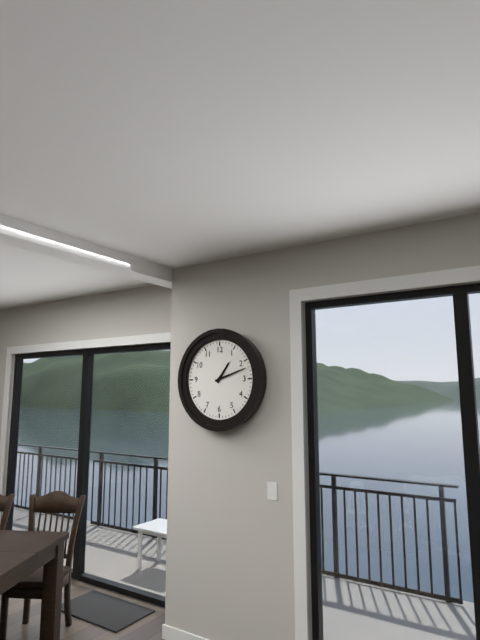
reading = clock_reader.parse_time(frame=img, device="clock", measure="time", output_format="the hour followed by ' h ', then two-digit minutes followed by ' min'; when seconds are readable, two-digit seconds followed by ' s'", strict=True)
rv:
1 h 12 min
